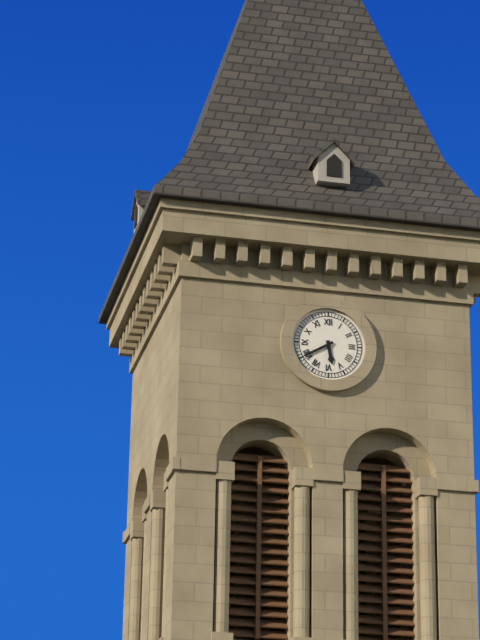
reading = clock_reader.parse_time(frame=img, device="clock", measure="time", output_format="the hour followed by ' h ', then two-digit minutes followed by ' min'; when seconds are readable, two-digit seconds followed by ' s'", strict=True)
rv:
5 h 40 min
